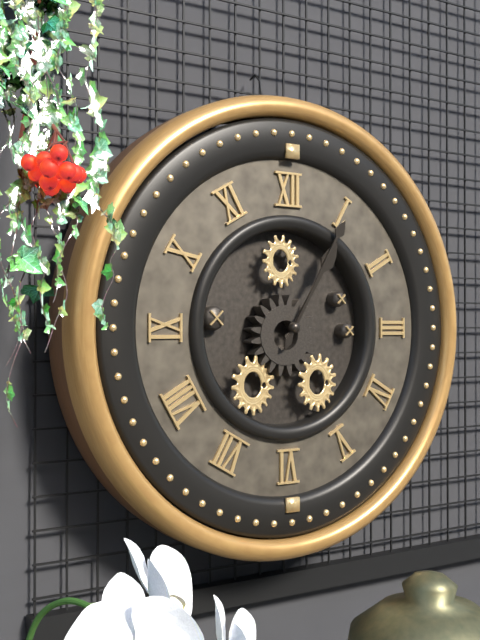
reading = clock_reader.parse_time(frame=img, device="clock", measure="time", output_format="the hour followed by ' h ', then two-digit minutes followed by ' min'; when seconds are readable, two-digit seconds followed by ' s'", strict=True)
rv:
1 h 05 min
